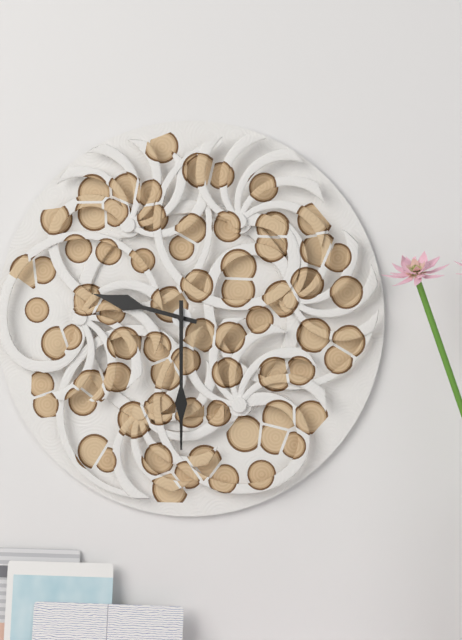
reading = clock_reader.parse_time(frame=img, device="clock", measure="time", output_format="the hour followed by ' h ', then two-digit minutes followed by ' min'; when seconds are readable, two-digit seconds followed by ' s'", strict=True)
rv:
9 h 30 min
